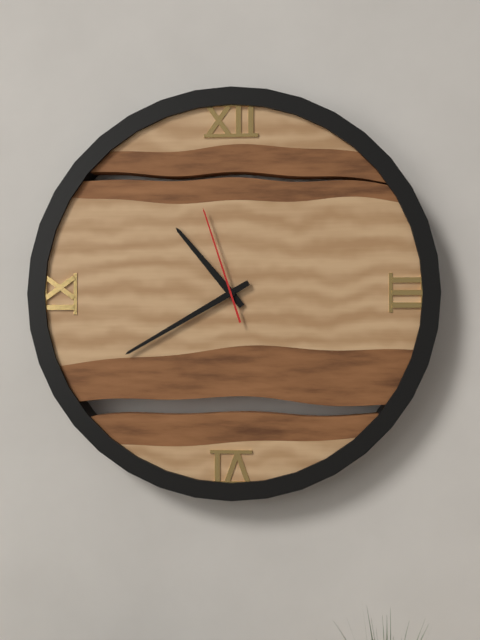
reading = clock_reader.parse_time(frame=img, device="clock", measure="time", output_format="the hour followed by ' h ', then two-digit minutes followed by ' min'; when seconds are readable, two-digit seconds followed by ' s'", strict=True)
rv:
10 h 40 min 57 s
